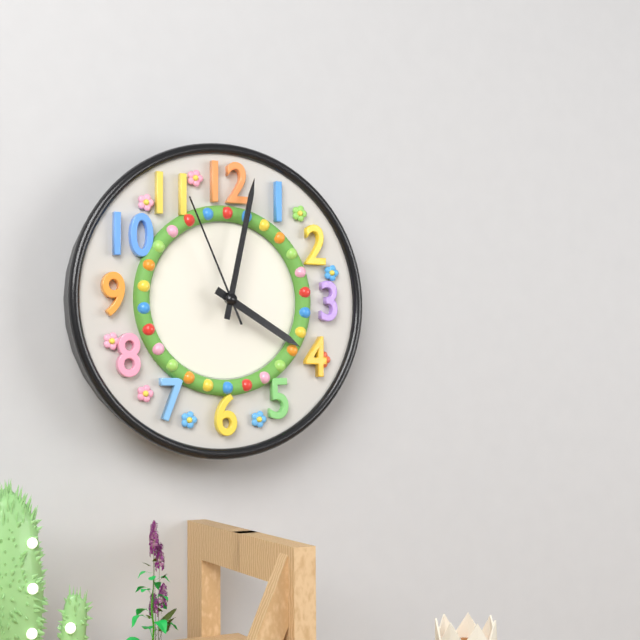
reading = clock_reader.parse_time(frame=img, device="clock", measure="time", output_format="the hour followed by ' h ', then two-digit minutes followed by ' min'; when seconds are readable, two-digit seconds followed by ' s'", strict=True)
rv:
4 h 02 min 56 s
